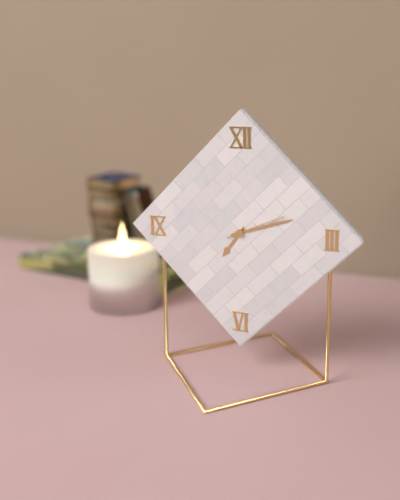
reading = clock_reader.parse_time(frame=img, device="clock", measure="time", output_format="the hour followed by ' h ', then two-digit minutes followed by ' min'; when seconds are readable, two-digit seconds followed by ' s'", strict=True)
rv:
7 h 12 min 11 s
